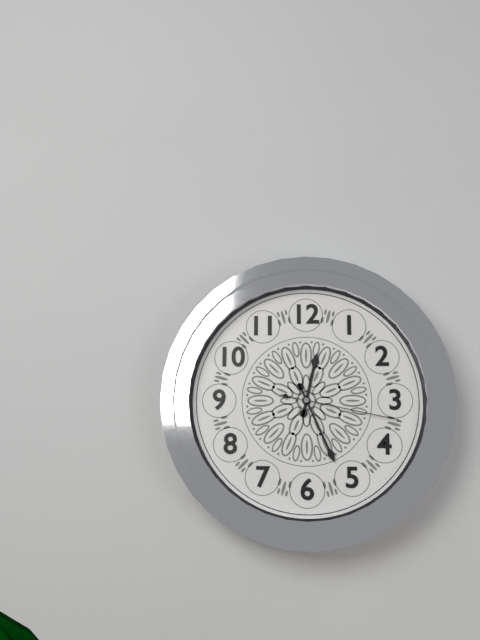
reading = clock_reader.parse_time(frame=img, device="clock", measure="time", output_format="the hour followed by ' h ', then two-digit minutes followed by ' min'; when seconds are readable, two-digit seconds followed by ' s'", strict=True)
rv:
12 h 26 min 17 s
